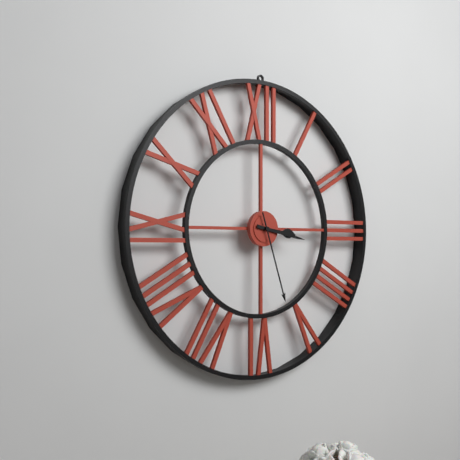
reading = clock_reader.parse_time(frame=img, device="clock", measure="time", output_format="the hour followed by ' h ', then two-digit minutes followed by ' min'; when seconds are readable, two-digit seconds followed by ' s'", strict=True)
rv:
3 h 17 min 27 s
